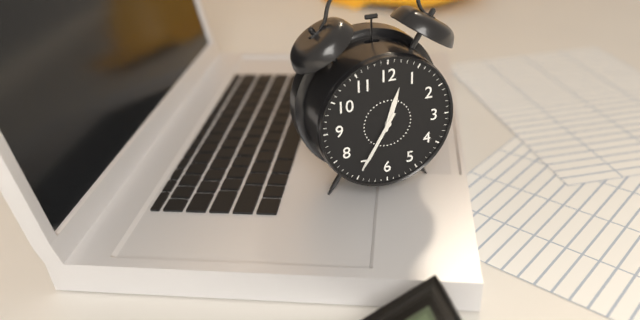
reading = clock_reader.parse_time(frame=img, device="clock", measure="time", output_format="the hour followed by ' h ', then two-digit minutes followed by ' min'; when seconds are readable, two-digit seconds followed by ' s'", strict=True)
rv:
12 h 35 min
